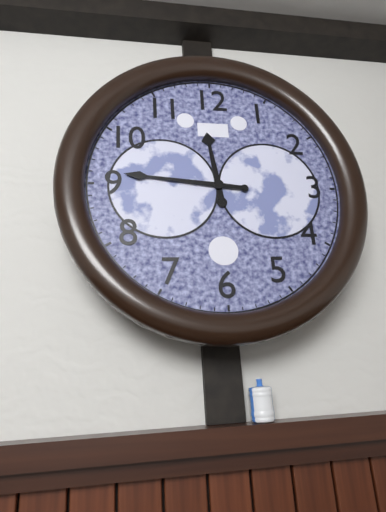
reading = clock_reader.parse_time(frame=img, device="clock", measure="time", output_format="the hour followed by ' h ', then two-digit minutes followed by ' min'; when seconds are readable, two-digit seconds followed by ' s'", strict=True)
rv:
11 h 46 min
